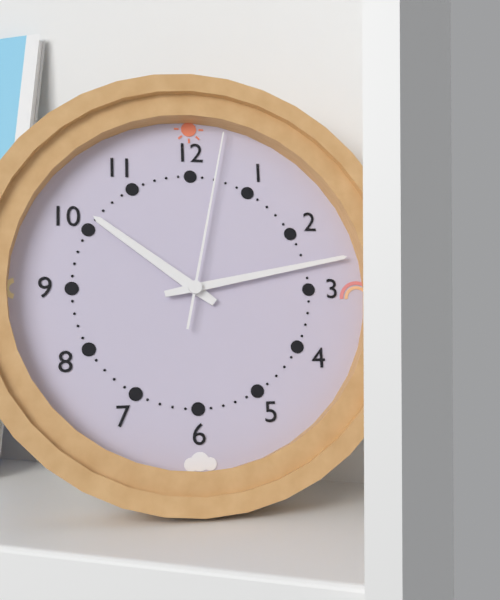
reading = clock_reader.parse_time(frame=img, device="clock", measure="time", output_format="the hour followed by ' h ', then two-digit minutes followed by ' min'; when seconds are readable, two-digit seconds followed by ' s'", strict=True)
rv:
10 h 13 min 02 s
